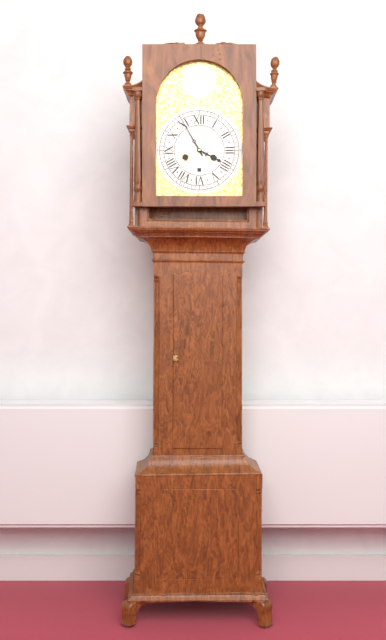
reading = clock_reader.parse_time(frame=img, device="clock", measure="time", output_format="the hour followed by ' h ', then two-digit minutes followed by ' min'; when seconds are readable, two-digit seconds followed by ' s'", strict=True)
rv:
3 h 55 min
